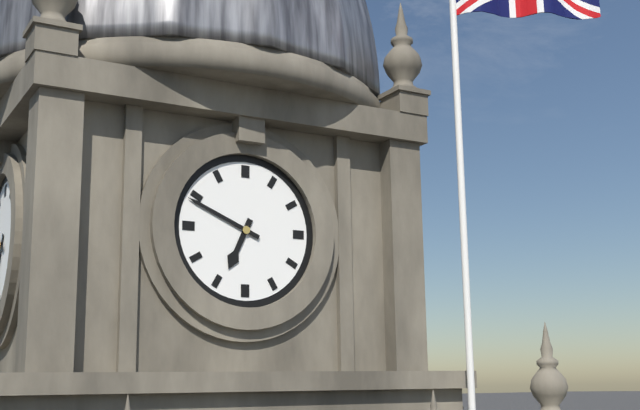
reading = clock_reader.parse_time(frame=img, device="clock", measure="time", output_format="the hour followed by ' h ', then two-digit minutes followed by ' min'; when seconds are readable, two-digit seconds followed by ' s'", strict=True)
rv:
6 h 49 min
